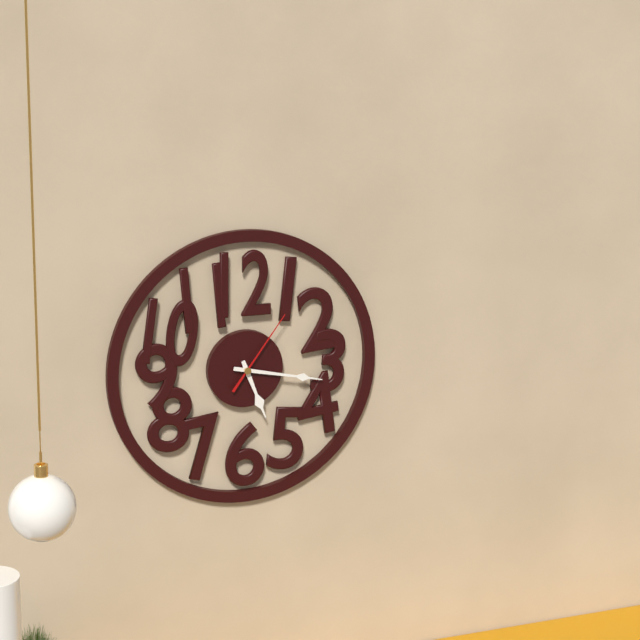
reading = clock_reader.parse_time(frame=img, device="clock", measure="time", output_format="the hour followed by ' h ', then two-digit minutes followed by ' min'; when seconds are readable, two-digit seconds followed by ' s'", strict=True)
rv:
5 h 17 min 06 s
